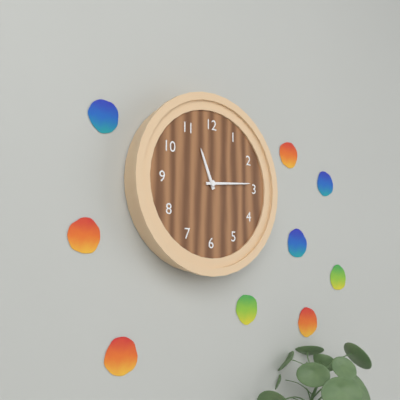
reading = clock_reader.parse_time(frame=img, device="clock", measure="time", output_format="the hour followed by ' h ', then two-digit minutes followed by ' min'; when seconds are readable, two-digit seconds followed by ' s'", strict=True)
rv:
11 h 14 min
